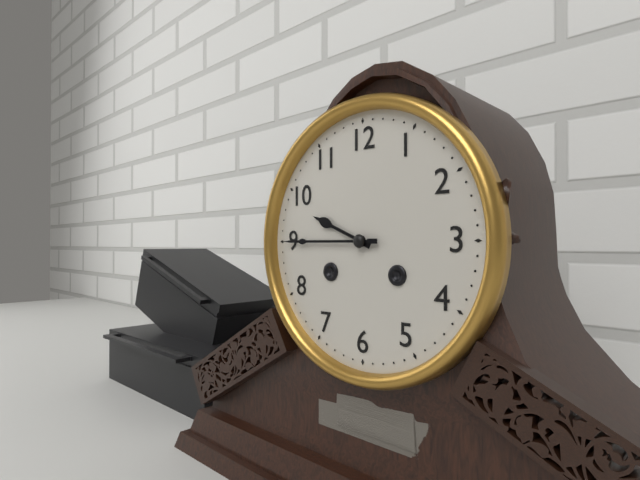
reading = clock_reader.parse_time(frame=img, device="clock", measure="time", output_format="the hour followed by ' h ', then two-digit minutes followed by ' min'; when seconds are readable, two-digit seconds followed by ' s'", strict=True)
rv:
9 h 45 min
